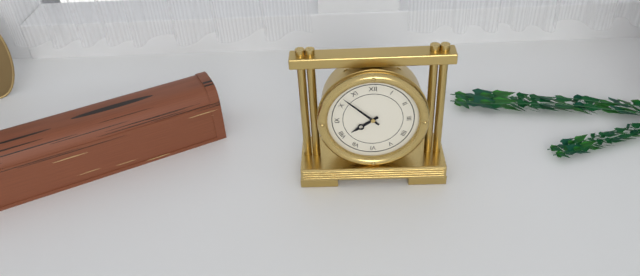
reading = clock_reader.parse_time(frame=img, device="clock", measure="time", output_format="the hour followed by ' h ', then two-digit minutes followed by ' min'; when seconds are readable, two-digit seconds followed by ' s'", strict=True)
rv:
7 h 52 min
